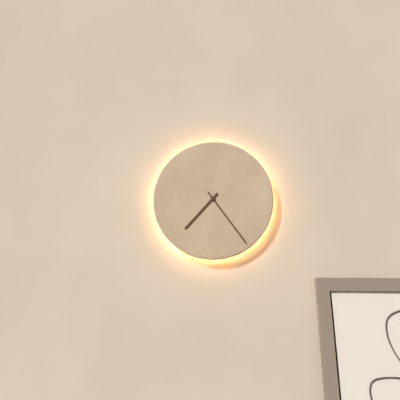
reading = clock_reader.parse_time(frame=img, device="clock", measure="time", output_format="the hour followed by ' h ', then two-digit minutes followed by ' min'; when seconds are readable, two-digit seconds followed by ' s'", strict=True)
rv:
7 h 24 min
